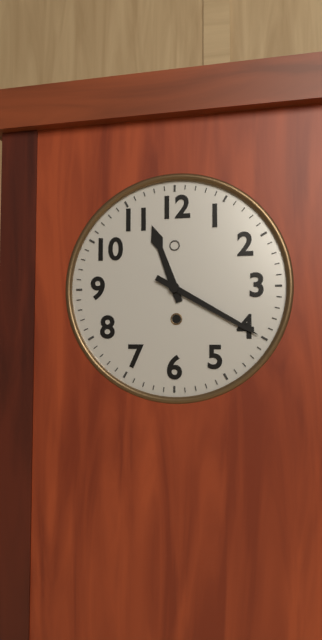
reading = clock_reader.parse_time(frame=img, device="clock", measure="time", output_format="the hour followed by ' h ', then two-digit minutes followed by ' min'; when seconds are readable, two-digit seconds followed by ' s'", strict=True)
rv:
11 h 20 min
